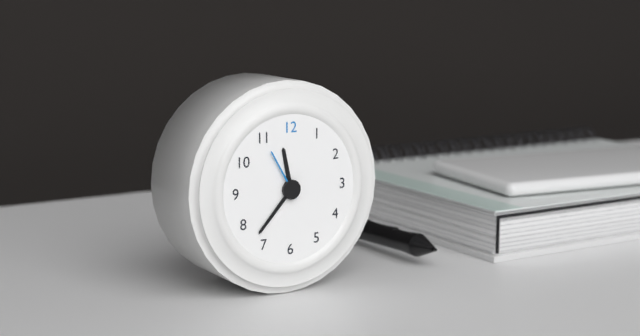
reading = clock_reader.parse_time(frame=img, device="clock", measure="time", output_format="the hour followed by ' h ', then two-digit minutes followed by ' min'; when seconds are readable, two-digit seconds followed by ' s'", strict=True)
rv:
11 h 37 min 55 s
